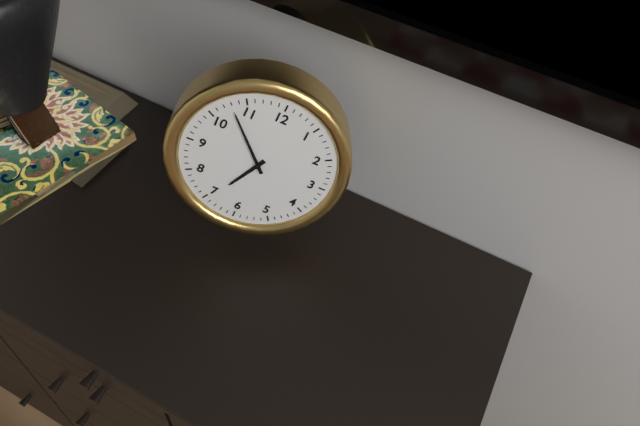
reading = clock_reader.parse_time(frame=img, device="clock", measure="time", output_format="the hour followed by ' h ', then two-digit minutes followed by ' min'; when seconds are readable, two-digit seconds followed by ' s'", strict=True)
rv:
6 h 53 min
